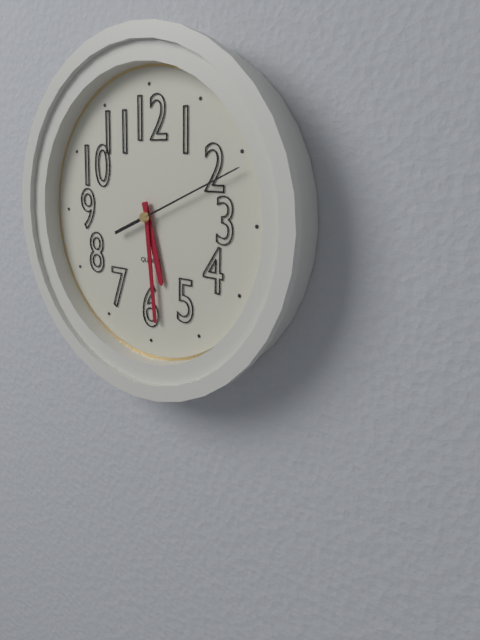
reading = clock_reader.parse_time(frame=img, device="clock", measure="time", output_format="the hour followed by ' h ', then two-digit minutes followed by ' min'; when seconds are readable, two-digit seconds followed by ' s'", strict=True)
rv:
5 h 29 min 11 s
